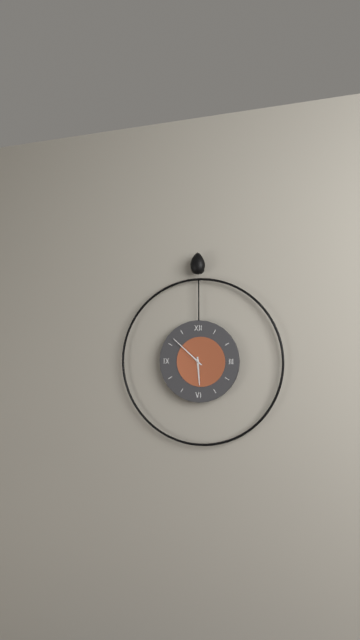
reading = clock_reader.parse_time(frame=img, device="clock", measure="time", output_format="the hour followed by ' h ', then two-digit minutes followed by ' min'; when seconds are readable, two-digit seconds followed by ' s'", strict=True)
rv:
5 h 52 min
